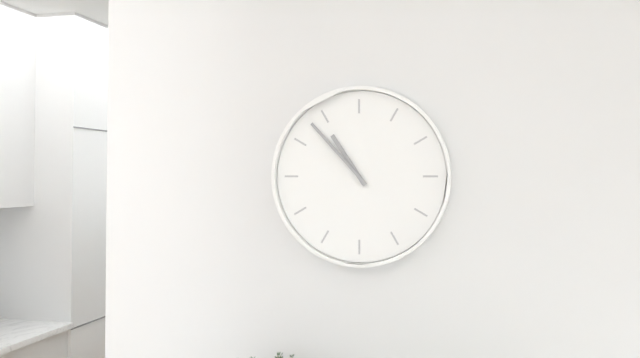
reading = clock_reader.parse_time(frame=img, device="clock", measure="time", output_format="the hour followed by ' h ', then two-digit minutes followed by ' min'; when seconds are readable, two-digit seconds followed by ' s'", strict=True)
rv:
10 h 53 min
